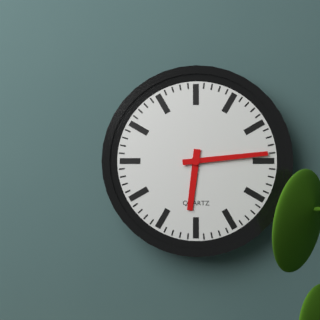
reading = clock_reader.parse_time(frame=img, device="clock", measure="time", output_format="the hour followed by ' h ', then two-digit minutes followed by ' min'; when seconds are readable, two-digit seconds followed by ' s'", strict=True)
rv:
6 h 14 min
